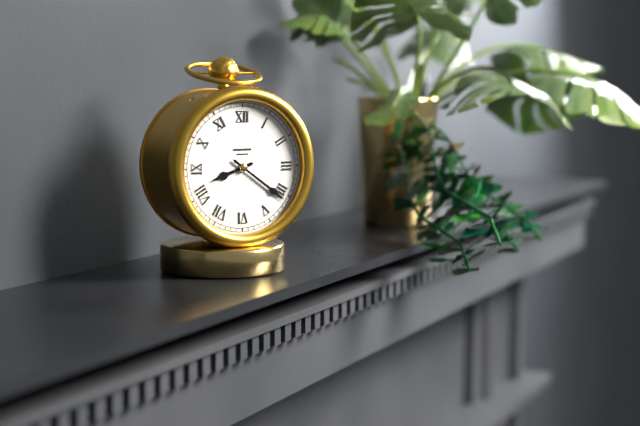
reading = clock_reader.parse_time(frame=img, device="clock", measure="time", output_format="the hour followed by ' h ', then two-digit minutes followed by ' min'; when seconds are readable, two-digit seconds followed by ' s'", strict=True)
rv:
8 h 21 min
